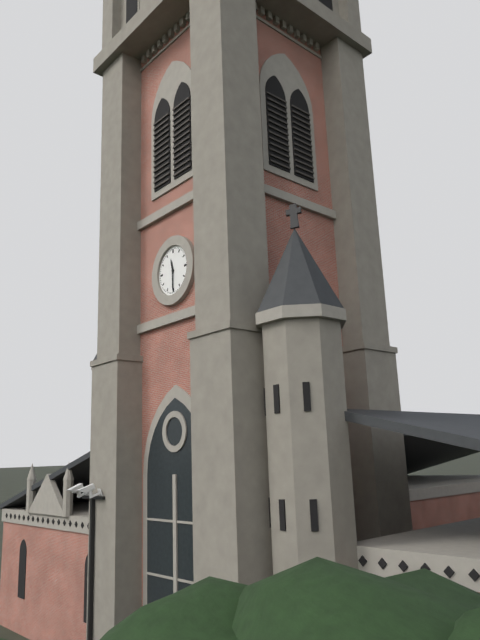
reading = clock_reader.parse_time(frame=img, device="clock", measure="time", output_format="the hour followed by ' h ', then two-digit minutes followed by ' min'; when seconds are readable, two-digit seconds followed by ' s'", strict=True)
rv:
11 h 30 min
